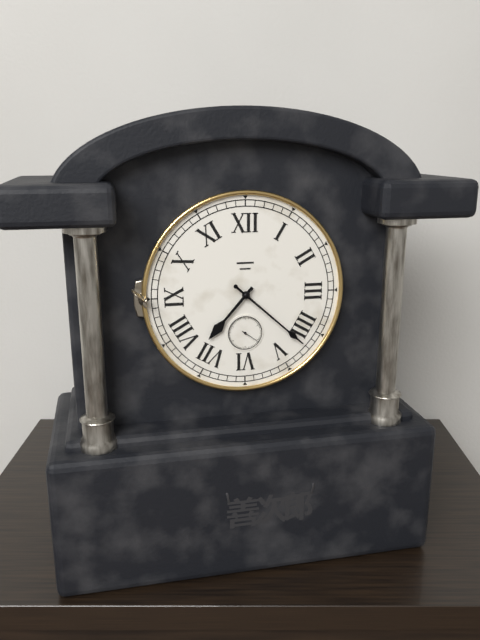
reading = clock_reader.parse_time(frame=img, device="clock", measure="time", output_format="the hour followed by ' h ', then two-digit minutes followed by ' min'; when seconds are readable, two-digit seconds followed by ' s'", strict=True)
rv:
7 h 22 min
